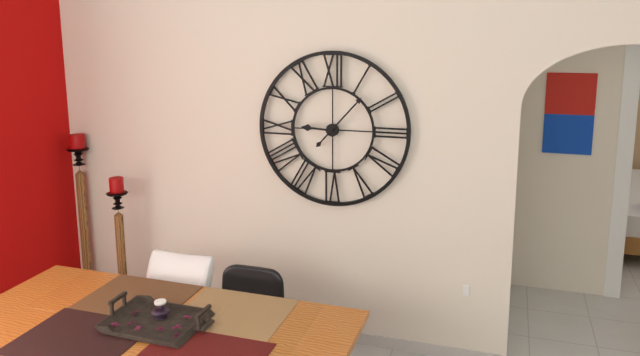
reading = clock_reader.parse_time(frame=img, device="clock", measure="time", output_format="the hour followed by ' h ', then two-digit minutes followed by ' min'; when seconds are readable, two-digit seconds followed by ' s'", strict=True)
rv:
9 h 07 min
